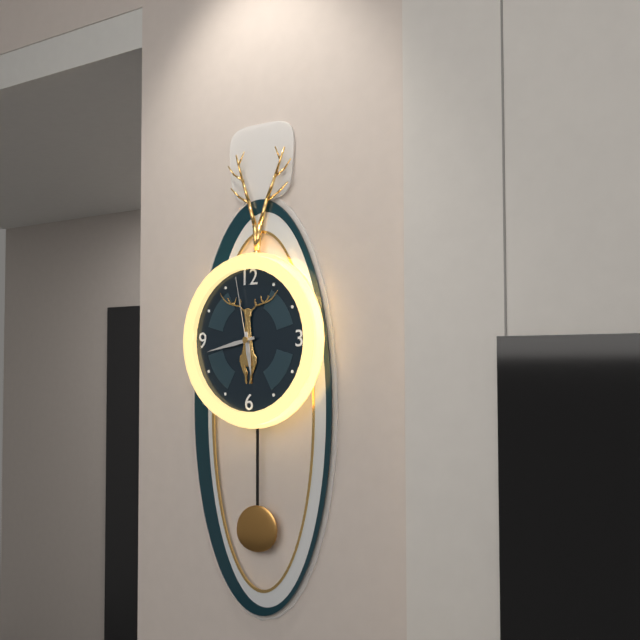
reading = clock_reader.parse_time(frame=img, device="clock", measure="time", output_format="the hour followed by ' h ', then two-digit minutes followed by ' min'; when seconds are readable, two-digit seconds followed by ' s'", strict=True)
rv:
5 h 43 min 58 s
